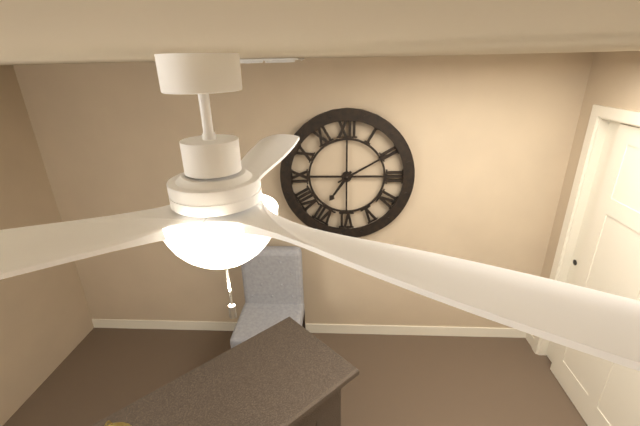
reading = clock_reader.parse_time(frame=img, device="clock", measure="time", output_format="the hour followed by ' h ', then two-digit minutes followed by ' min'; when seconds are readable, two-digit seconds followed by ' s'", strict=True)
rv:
7 h 10 min
